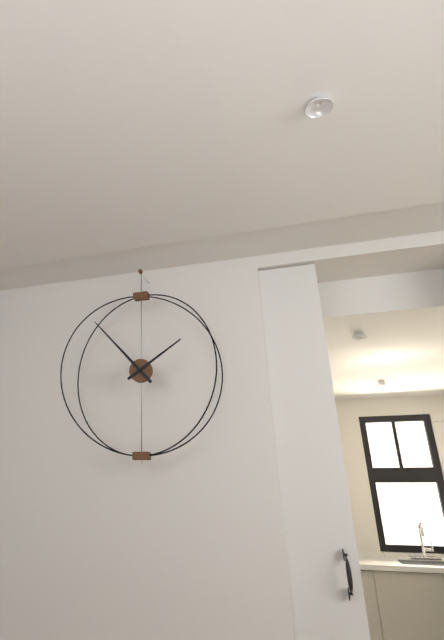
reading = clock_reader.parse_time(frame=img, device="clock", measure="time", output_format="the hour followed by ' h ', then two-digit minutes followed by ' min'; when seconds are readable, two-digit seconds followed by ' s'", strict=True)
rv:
1 h 53 min
